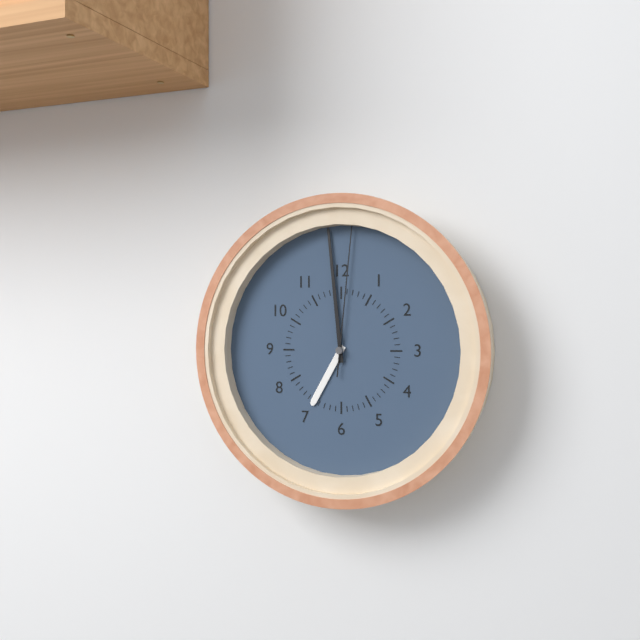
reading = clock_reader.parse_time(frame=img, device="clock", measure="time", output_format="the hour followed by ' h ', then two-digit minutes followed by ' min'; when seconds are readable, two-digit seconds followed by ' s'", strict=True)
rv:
6 h 59 min 01 s
